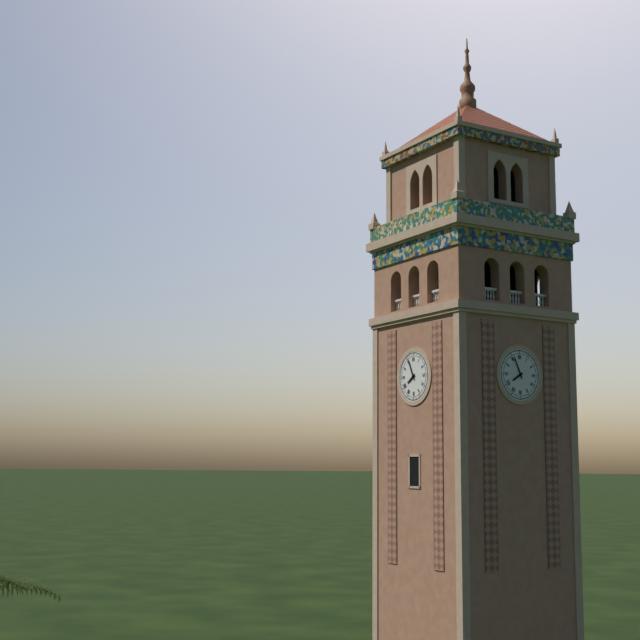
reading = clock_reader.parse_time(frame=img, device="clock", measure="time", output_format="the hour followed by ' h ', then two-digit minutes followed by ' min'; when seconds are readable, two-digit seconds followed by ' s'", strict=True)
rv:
7 h 56 min
